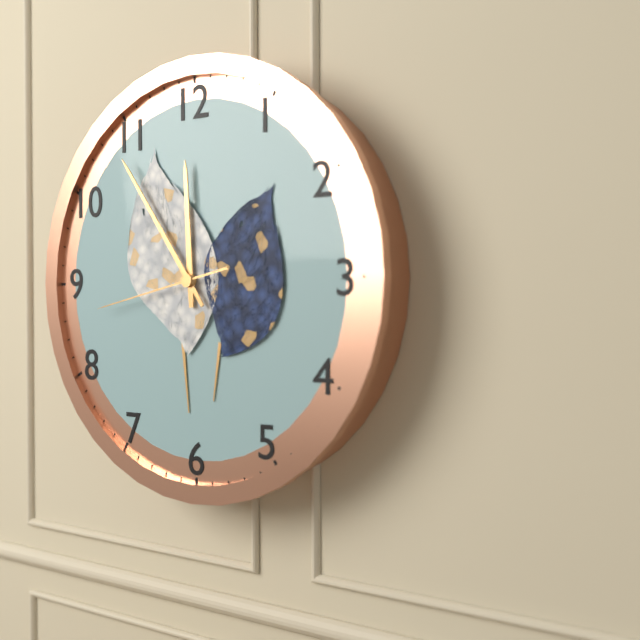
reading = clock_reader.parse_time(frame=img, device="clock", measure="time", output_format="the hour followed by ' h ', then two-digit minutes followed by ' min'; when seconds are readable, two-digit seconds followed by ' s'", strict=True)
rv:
11 h 54 min 43 s
